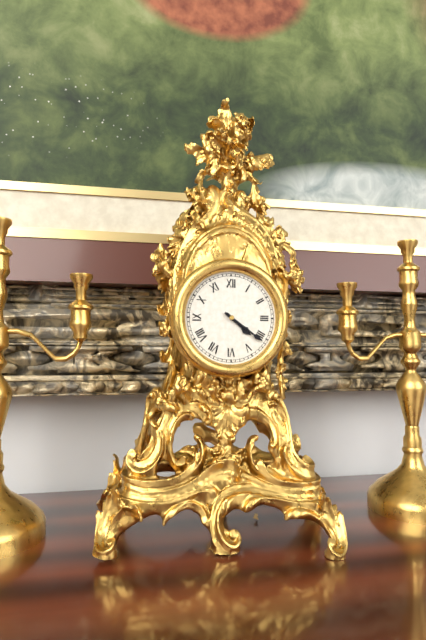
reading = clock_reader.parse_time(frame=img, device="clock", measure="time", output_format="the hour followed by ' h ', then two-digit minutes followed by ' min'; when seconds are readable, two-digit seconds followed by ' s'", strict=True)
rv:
4 h 21 min
